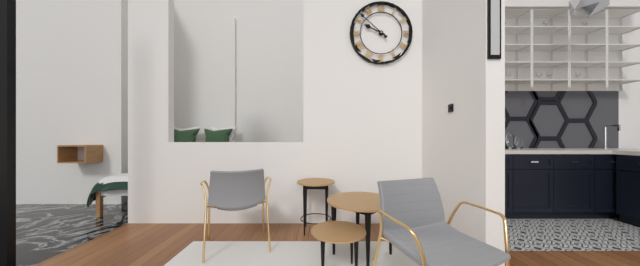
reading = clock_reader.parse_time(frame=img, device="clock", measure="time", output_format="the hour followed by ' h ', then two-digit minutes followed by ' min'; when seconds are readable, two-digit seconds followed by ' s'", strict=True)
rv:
9 h 52 min
